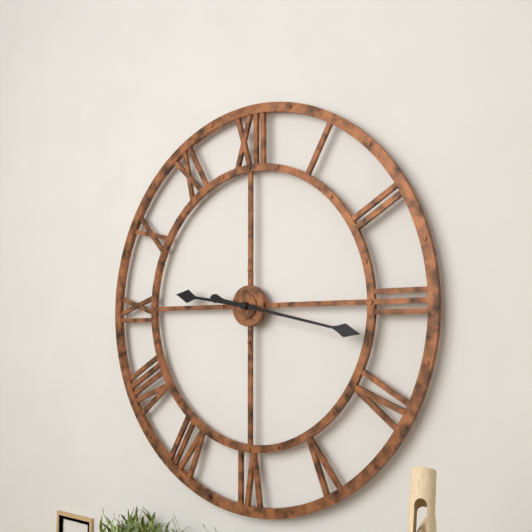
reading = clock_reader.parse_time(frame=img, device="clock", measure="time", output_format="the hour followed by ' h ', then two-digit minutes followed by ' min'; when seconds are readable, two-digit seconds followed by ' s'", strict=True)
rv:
9 h 17 min
